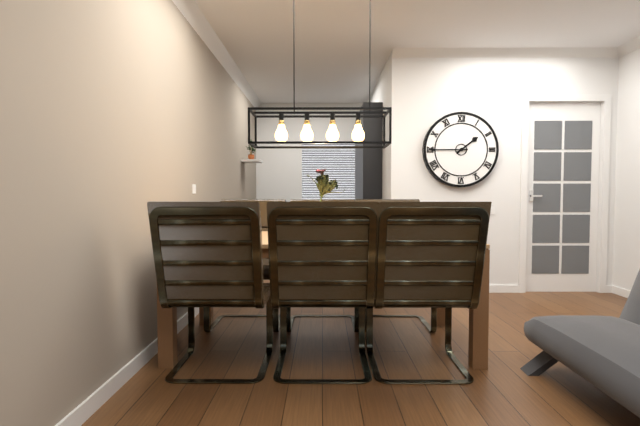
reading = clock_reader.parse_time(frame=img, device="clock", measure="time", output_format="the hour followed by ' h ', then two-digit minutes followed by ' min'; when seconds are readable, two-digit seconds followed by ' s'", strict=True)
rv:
1 h 45 min
